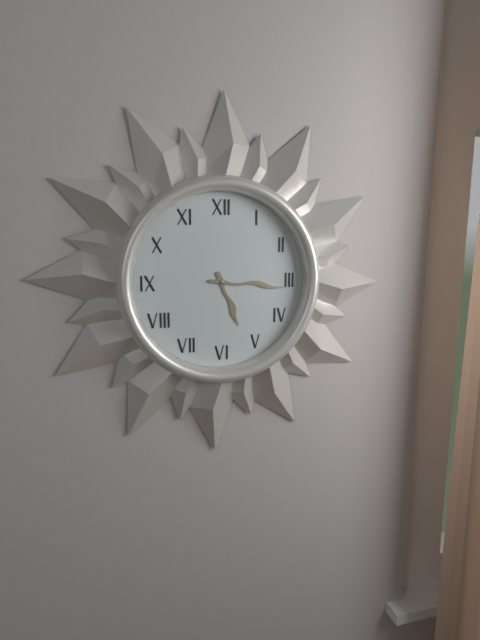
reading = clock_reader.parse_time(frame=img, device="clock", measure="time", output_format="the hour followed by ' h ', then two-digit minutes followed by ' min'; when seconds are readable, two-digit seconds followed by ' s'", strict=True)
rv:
5 h 16 min
